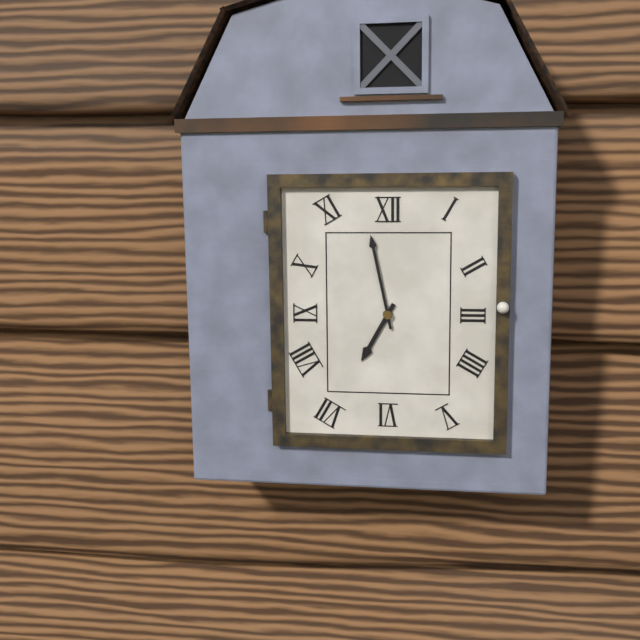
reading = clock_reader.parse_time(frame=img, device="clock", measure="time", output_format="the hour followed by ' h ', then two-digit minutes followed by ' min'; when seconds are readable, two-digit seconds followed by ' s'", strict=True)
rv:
6 h 58 min
